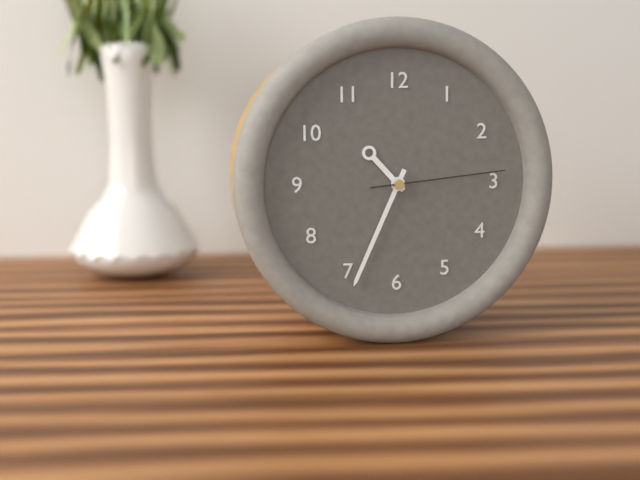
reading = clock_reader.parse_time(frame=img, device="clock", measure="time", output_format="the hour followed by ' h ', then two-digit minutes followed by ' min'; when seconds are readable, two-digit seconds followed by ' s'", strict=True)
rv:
10 h 34 min 14 s
